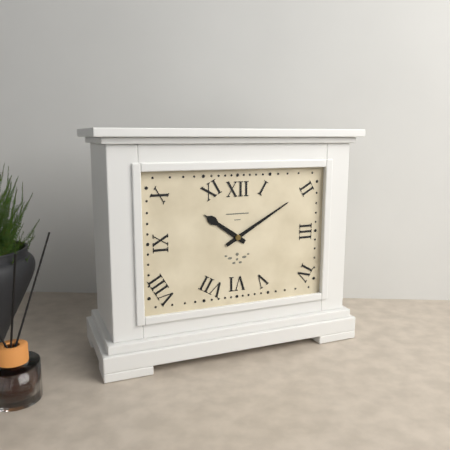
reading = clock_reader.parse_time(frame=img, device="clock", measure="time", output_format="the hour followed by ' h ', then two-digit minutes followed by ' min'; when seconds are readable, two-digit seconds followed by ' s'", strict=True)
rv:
10 h 10 min
